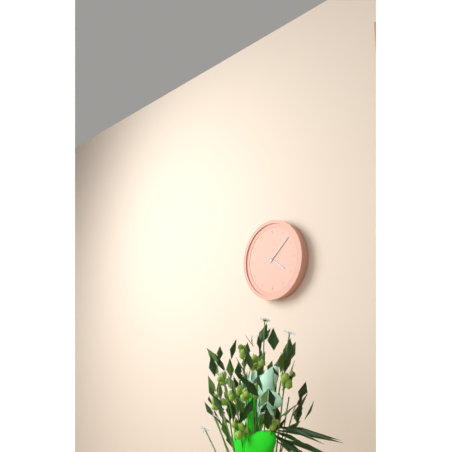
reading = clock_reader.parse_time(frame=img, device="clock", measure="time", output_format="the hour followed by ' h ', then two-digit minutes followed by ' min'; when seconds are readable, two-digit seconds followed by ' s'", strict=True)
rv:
4 h 08 min
